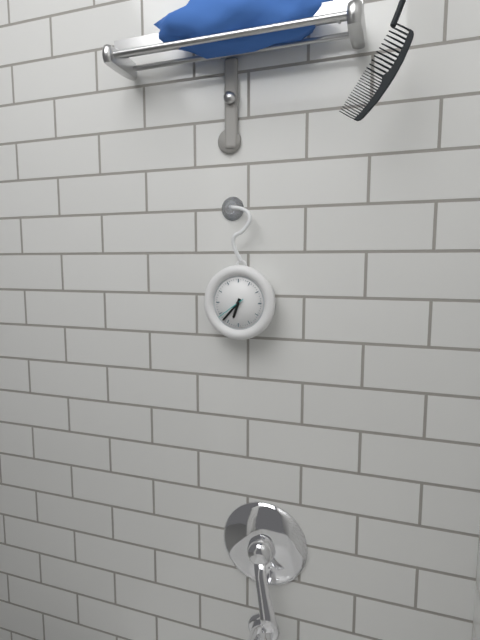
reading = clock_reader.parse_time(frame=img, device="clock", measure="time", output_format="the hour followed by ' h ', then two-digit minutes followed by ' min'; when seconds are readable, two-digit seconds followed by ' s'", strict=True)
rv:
6 h 37 min
